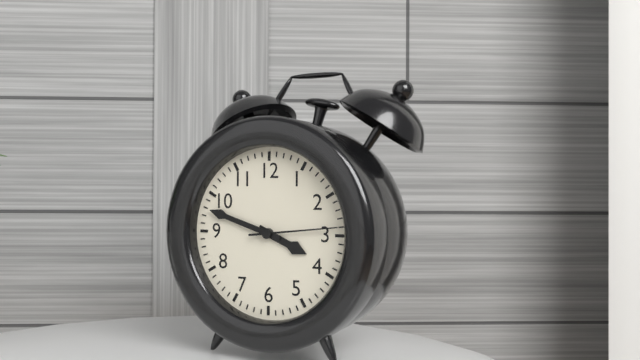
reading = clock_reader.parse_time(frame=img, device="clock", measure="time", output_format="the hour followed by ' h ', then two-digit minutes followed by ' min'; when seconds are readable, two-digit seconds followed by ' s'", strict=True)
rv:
3 h 48 min 14 s
